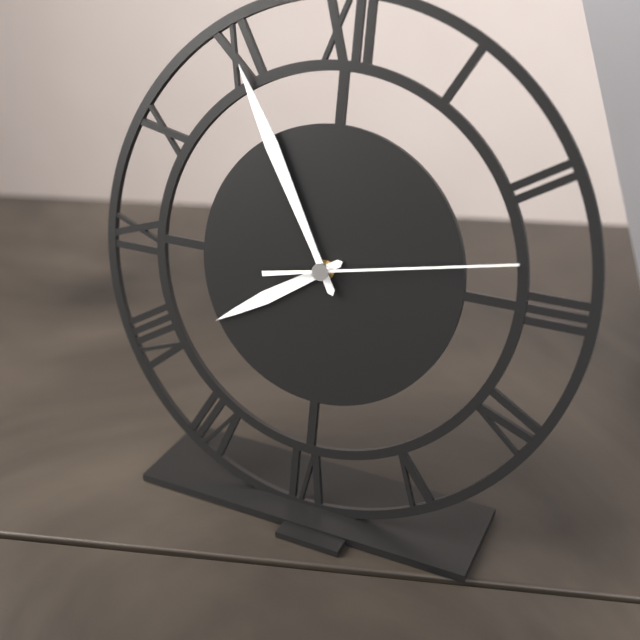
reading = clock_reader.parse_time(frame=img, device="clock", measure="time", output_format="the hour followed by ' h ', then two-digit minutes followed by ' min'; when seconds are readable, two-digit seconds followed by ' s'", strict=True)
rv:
7 h 55 min 13 s
